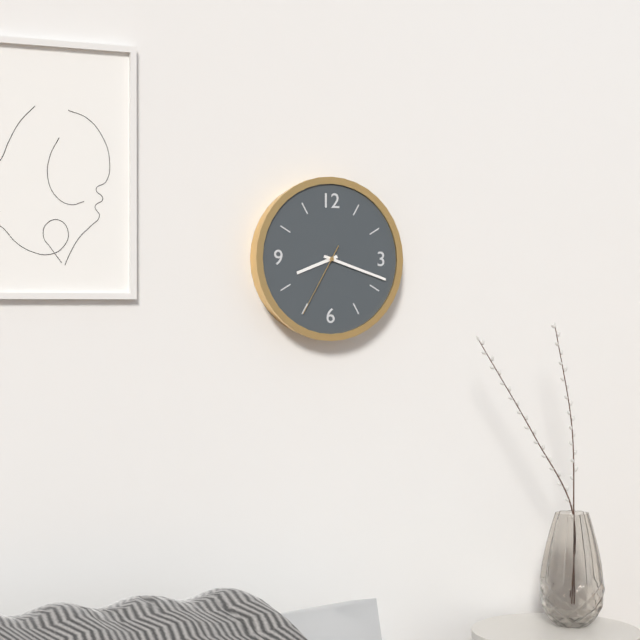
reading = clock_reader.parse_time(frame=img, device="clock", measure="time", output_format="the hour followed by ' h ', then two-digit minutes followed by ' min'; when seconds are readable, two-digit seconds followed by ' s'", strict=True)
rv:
8 h 18 min 35 s
